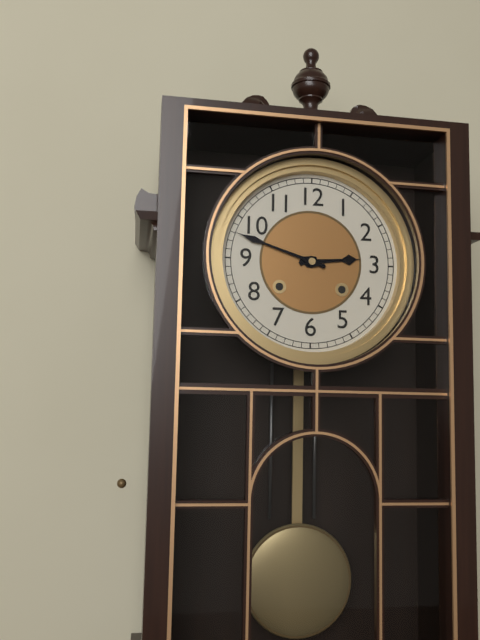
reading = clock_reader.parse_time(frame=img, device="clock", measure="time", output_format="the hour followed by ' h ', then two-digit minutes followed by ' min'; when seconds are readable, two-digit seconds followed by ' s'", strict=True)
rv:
2 h 48 min
